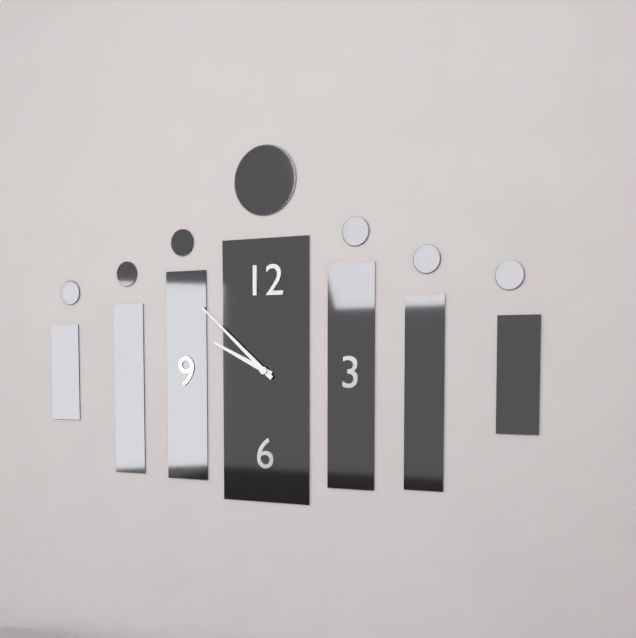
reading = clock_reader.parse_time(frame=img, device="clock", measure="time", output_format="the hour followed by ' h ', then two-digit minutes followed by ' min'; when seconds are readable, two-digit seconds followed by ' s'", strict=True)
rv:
9 h 52 min
